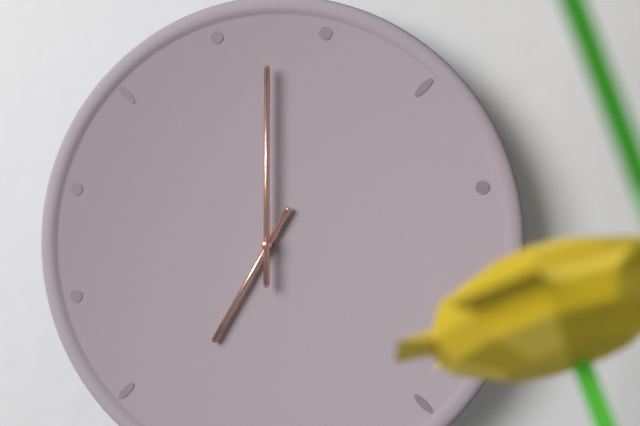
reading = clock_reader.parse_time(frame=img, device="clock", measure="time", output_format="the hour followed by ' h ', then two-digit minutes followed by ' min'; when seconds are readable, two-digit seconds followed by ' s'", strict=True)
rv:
7 h 00 min
